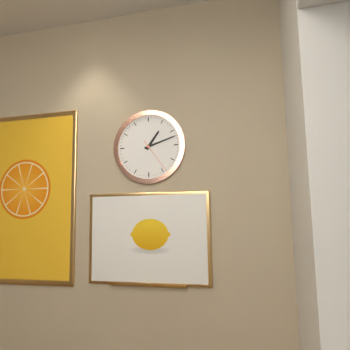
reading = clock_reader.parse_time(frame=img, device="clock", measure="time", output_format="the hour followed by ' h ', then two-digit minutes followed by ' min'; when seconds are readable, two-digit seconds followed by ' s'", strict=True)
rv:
1 h 12 min
